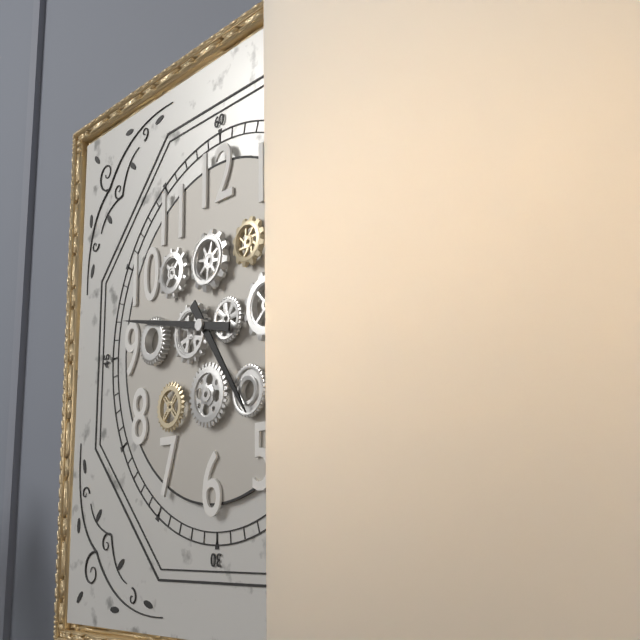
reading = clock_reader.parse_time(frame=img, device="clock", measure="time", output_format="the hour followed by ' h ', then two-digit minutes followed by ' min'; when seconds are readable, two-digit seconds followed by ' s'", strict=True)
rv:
4 h 47 min
